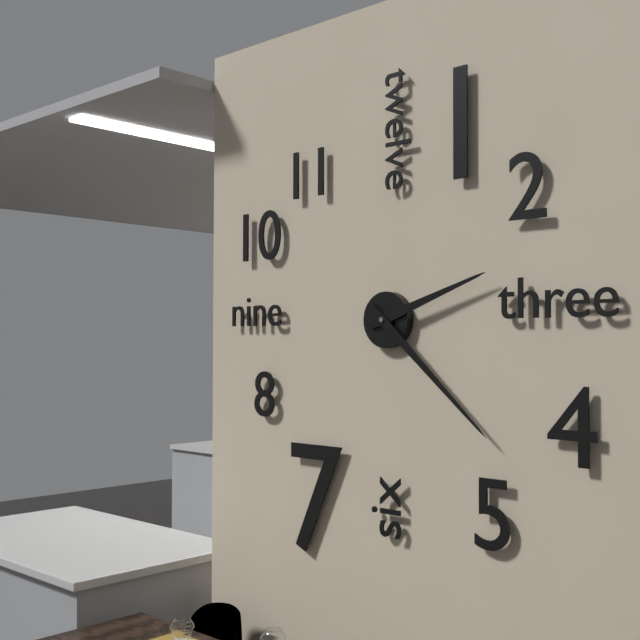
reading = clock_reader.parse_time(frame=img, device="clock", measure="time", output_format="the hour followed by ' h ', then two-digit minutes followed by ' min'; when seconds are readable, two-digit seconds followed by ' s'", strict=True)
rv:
2 h 22 min
